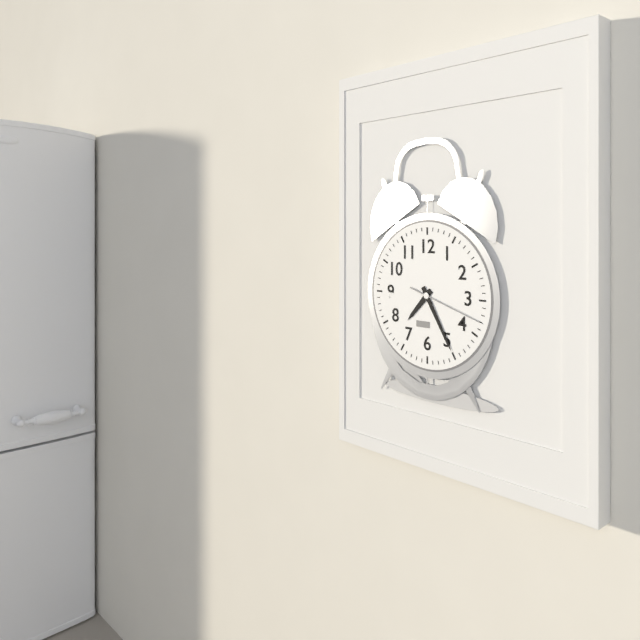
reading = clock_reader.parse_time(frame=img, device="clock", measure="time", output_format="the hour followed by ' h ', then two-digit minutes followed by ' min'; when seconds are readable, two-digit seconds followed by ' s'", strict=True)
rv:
7 h 25 min 18 s
